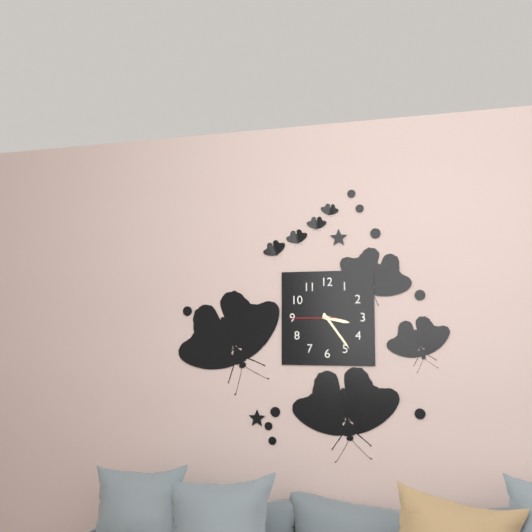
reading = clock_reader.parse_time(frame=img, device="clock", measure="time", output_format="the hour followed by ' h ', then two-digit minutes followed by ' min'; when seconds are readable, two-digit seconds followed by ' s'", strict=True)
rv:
3 h 24 min 45 s
